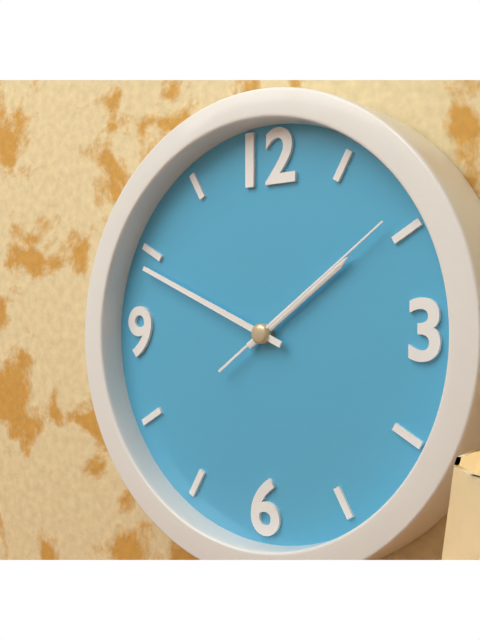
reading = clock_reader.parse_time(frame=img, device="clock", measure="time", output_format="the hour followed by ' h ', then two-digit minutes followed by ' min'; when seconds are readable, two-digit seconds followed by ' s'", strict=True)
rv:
1 h 49 min 09 s
